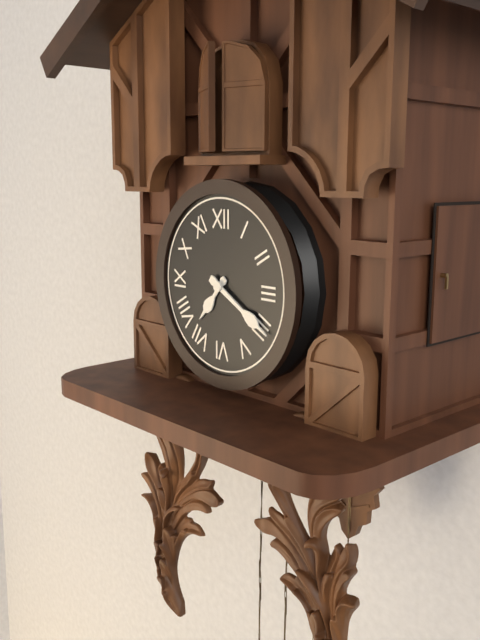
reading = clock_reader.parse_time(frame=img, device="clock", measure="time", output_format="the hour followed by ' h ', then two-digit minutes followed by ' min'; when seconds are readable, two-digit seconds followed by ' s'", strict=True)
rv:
7 h 20 min
